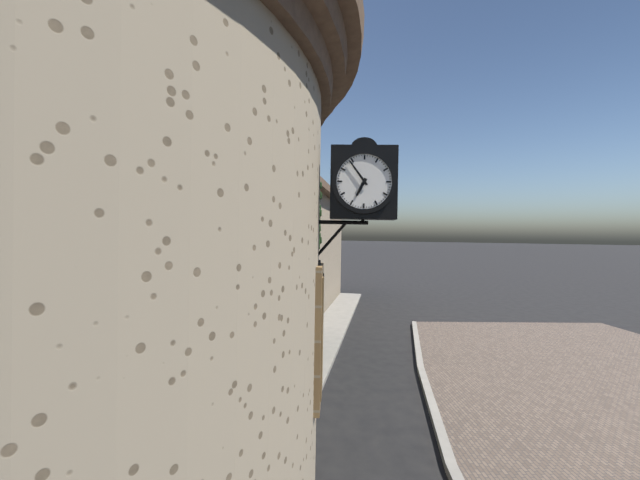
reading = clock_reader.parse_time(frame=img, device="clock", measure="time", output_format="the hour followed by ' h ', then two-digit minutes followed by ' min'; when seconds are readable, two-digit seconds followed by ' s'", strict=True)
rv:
6 h 54 min
